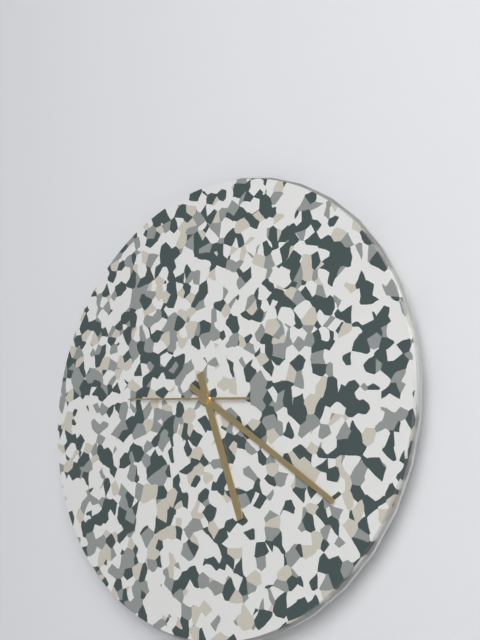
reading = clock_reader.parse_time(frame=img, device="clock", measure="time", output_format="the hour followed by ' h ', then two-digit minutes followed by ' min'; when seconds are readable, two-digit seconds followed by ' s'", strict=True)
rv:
5 h 21 min 46 s
